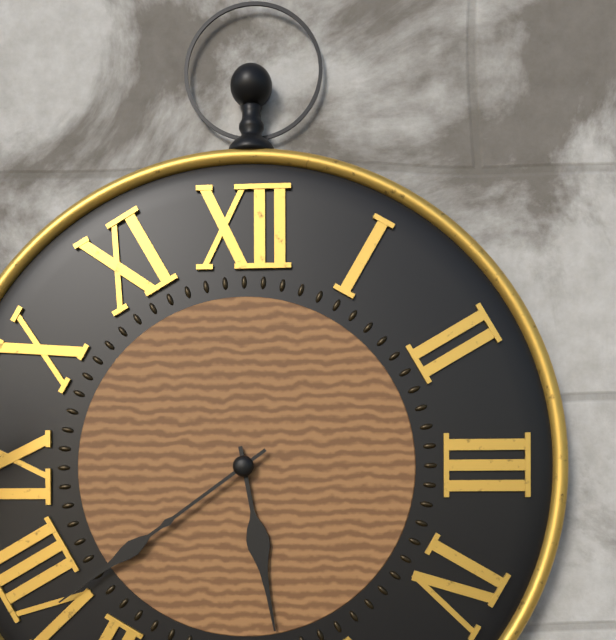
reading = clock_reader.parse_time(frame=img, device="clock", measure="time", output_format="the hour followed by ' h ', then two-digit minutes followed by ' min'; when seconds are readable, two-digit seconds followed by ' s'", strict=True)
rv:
5 h 39 min
